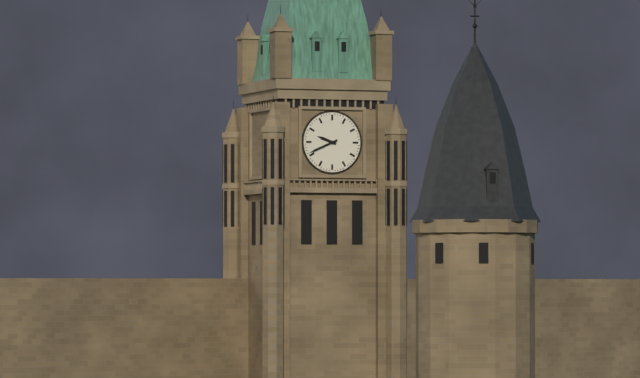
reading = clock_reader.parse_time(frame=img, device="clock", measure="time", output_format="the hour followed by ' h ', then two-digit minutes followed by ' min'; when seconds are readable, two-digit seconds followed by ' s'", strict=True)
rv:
9 h 41 min
